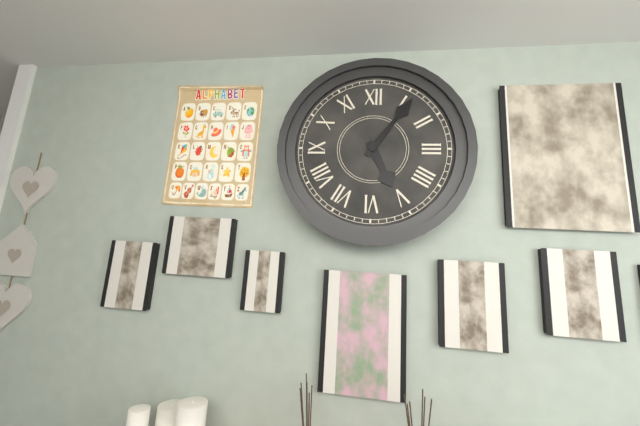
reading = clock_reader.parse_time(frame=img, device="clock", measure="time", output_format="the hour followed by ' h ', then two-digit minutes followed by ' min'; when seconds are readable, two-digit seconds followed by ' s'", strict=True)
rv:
5 h 06 min
